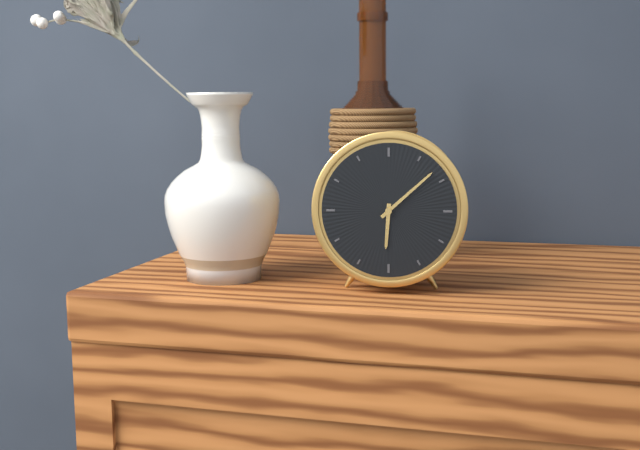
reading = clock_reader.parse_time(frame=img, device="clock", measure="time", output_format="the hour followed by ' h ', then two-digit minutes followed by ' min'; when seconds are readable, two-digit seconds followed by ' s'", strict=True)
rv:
6 h 08 min
